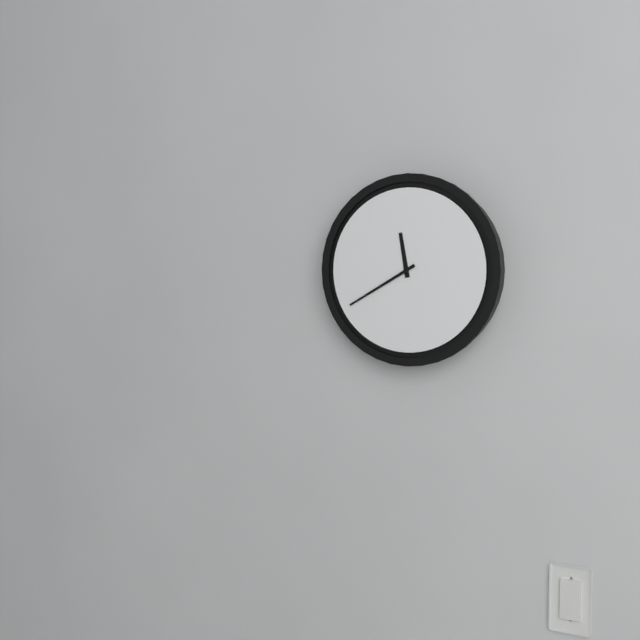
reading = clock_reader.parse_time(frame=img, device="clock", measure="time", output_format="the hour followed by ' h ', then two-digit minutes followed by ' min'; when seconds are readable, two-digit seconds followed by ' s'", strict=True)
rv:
11 h 40 min
